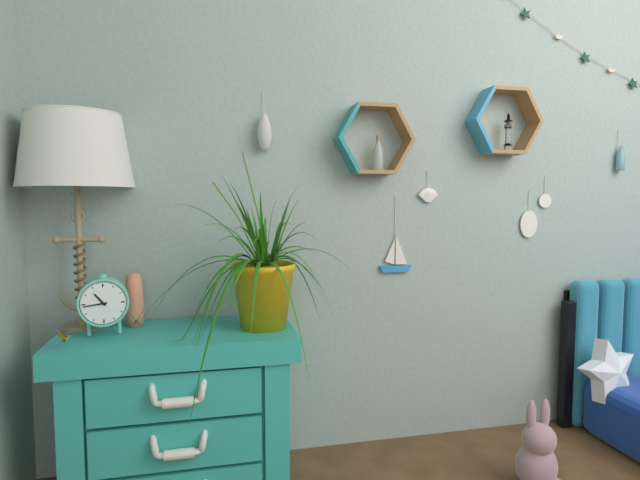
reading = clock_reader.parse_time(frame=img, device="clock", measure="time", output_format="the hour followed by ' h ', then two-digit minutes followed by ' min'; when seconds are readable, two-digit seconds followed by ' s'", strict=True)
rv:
10 h 44 min
